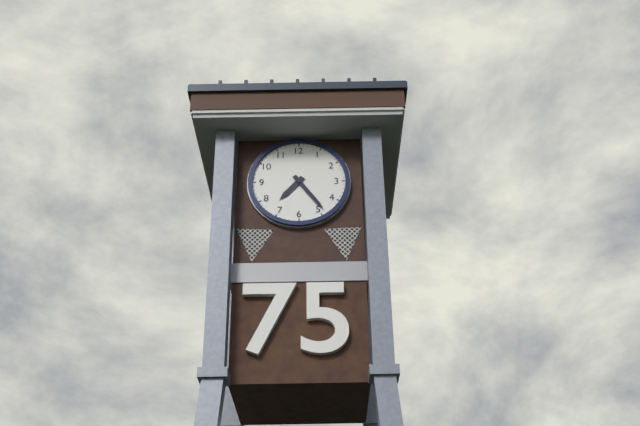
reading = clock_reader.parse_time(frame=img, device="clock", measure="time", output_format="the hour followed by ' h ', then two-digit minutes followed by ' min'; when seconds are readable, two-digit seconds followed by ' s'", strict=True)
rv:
7 h 24 min
